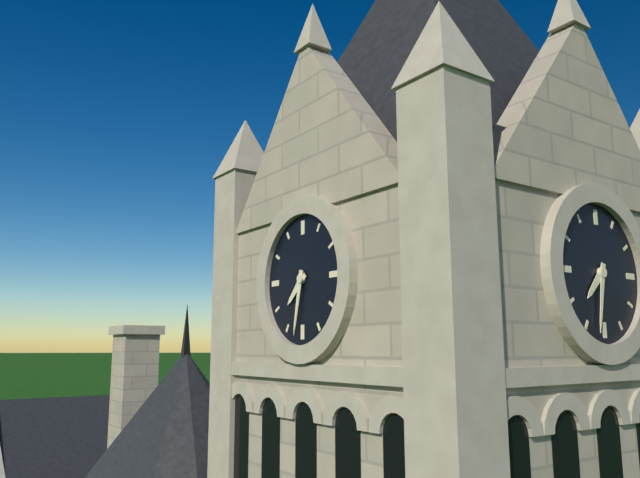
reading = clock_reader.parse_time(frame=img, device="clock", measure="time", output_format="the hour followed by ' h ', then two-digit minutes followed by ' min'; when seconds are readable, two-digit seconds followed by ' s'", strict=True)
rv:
7 h 32 min
